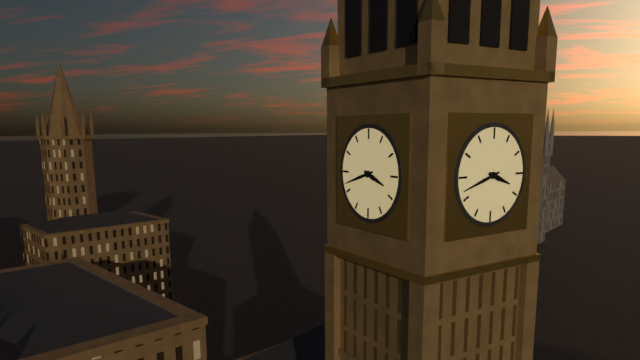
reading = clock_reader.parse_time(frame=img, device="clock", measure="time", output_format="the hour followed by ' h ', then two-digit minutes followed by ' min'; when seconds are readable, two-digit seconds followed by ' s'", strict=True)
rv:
3 h 42 min
